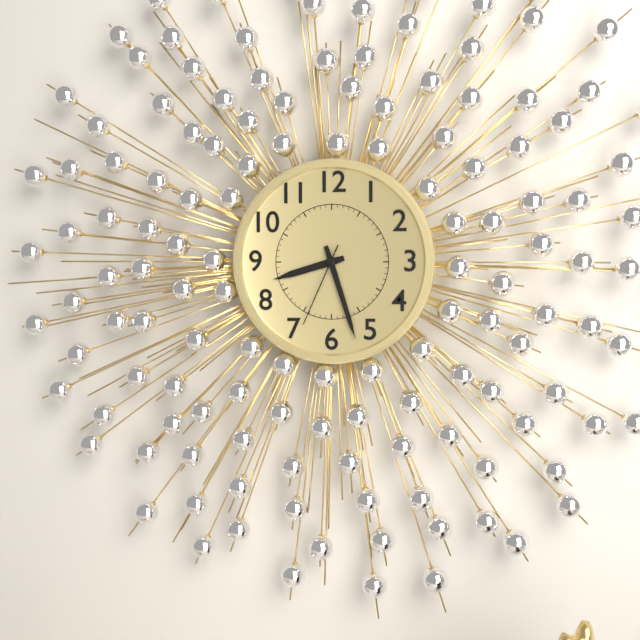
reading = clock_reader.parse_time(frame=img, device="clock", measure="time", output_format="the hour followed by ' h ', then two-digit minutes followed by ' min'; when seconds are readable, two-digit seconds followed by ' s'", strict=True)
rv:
8 h 27 min 34 s
